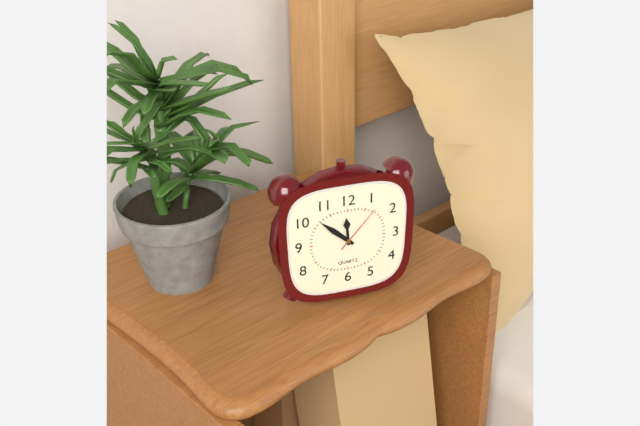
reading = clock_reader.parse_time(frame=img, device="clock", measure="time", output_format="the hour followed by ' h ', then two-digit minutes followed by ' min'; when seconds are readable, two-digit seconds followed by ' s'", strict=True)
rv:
11 h 52 min 07 s
